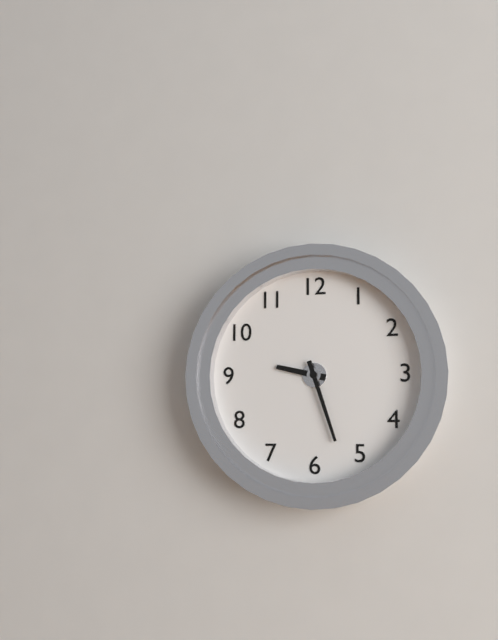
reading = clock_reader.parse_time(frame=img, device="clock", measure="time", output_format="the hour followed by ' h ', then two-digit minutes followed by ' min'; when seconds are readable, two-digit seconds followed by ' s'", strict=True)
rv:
9 h 27 min
